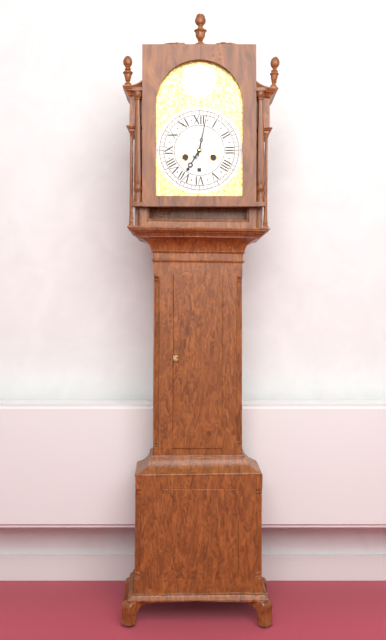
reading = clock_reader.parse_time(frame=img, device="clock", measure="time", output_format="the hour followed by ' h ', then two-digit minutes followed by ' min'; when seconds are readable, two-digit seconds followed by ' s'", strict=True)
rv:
7 h 02 min
